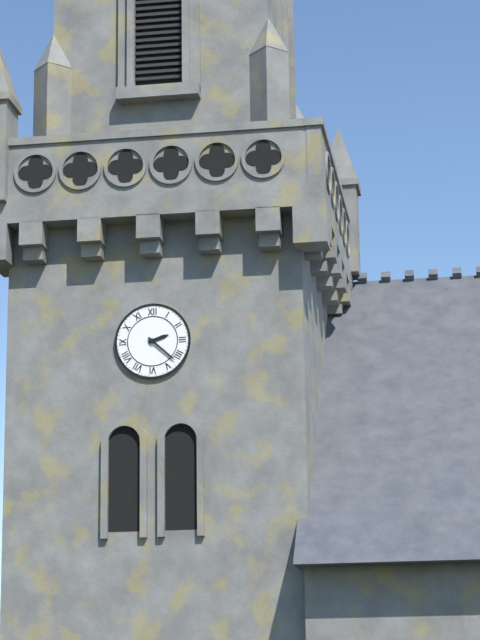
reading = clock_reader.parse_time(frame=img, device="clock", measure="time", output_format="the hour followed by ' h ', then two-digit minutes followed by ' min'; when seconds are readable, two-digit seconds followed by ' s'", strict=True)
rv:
2 h 22 min
